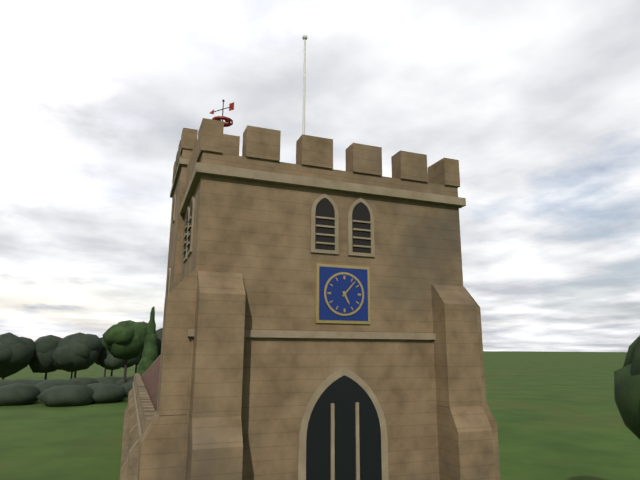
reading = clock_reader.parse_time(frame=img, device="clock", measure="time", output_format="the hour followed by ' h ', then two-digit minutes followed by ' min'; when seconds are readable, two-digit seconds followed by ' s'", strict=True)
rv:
5 h 07 min
